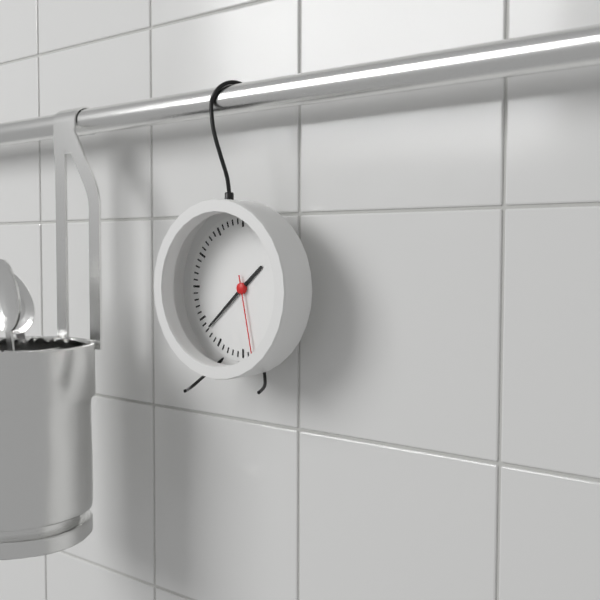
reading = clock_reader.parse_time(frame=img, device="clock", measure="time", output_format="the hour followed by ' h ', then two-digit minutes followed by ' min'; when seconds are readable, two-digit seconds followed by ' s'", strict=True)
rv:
1 h 38 min 28 s
